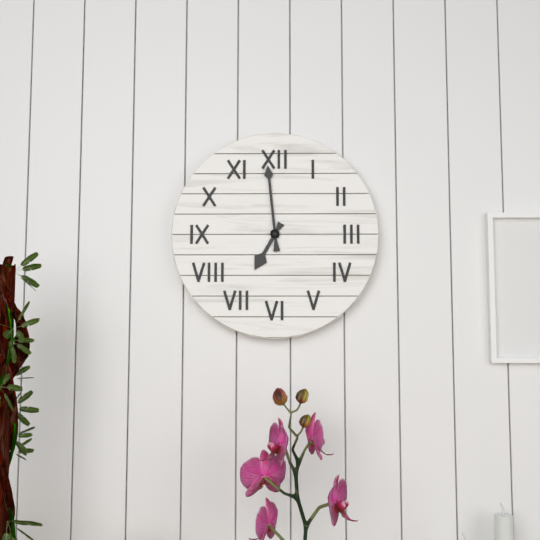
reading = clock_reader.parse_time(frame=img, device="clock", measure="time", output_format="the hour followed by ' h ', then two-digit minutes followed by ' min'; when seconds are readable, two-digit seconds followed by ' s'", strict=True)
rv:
6 h 59 min
